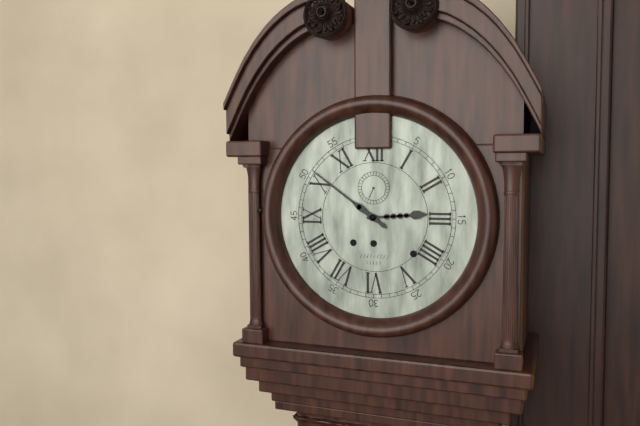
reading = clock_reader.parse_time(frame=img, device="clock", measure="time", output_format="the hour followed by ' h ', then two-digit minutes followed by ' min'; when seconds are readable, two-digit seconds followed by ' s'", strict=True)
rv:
2 h 51 min
